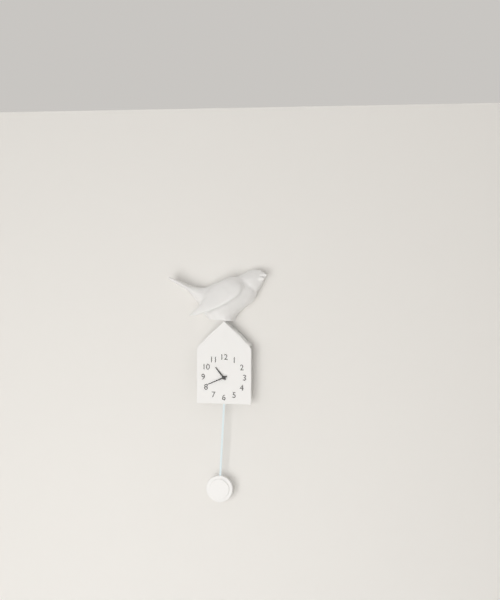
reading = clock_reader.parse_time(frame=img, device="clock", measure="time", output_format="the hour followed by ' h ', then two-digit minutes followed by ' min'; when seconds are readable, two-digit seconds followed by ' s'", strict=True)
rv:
10 h 41 min
